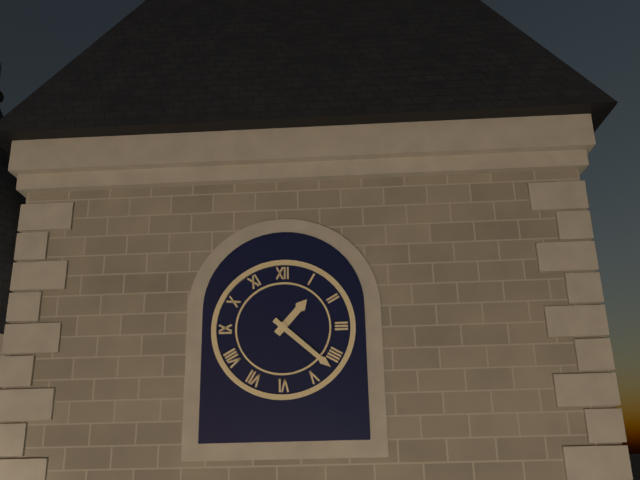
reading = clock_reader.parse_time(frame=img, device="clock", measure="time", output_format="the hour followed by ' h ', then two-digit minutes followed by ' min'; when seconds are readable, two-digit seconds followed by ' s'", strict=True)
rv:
1 h 22 min
